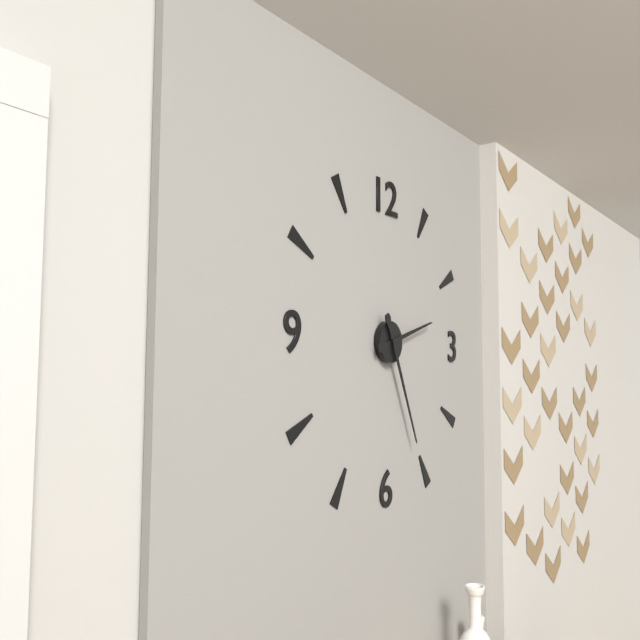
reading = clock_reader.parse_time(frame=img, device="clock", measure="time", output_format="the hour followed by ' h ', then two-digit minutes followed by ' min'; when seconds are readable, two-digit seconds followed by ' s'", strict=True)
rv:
2 h 26 min
